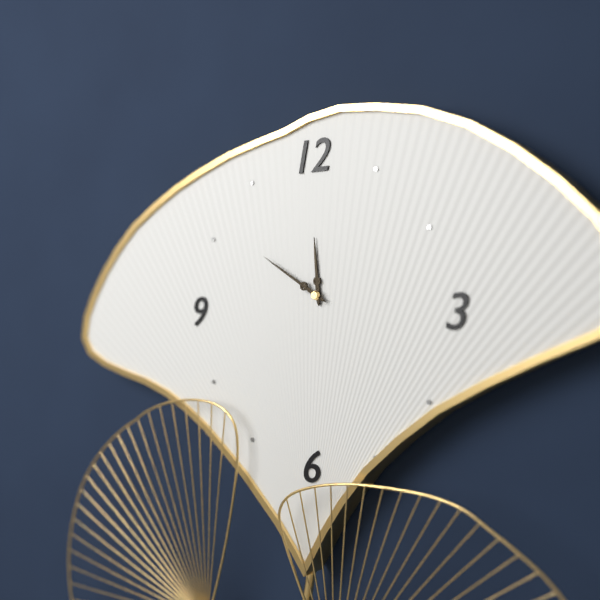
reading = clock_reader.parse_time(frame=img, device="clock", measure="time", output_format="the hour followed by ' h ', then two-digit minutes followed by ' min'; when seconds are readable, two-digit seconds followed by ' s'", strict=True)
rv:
11 h 50 min
